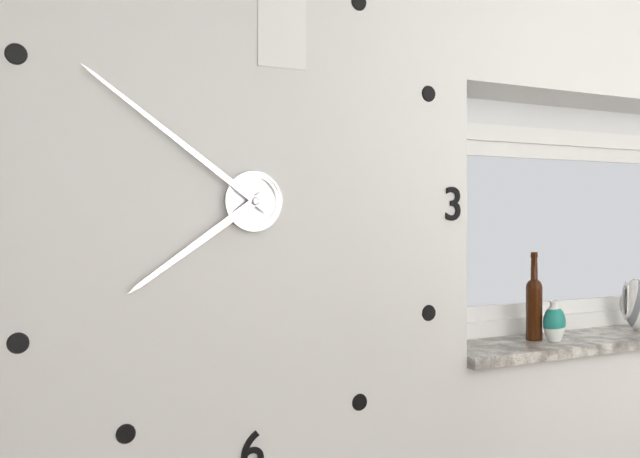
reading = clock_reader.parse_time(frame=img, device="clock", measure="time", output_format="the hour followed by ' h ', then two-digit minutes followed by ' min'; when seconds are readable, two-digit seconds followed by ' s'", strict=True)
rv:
7 h 51 min
